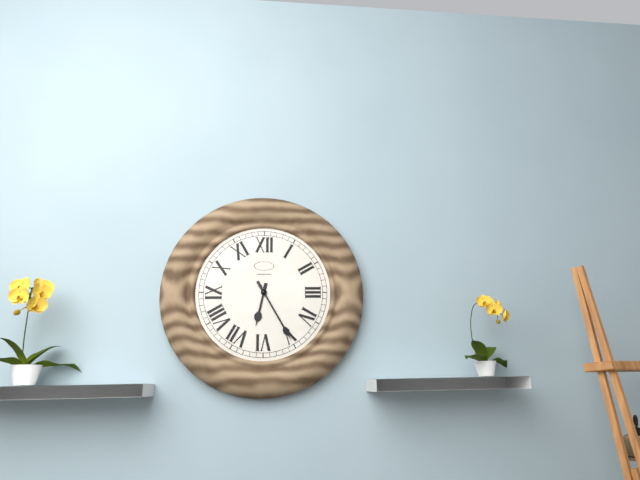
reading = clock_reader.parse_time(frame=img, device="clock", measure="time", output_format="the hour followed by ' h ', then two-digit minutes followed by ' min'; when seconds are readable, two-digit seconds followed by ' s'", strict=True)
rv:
6 h 25 min
